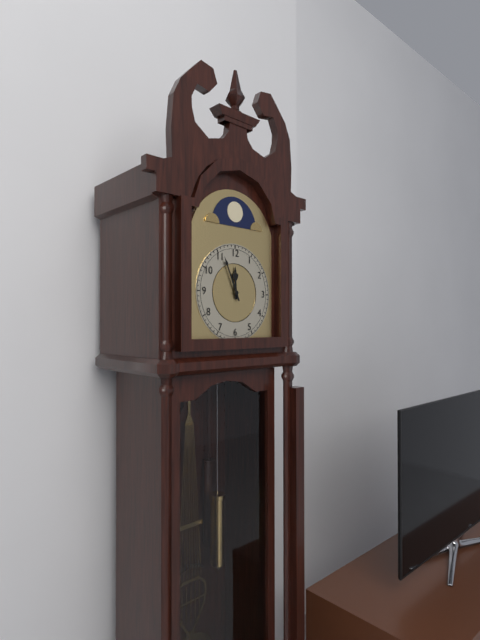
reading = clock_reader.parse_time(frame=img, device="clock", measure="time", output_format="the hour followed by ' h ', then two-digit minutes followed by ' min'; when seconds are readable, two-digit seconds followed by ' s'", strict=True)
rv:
11 h 56 min
